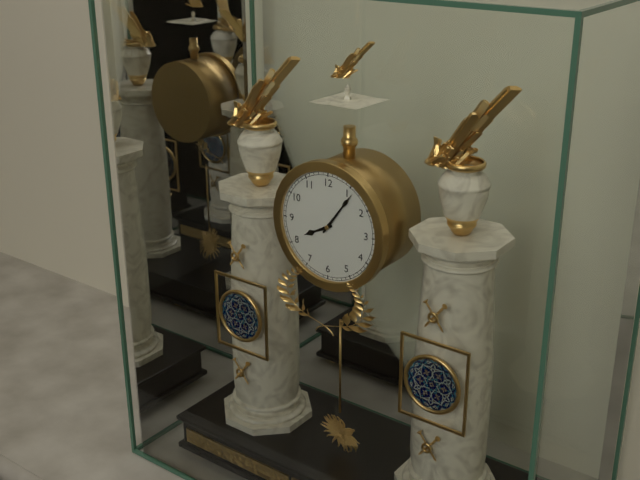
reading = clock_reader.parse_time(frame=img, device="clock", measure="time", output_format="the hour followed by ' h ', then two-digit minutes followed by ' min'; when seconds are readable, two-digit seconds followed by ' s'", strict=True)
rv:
8 h 06 min
